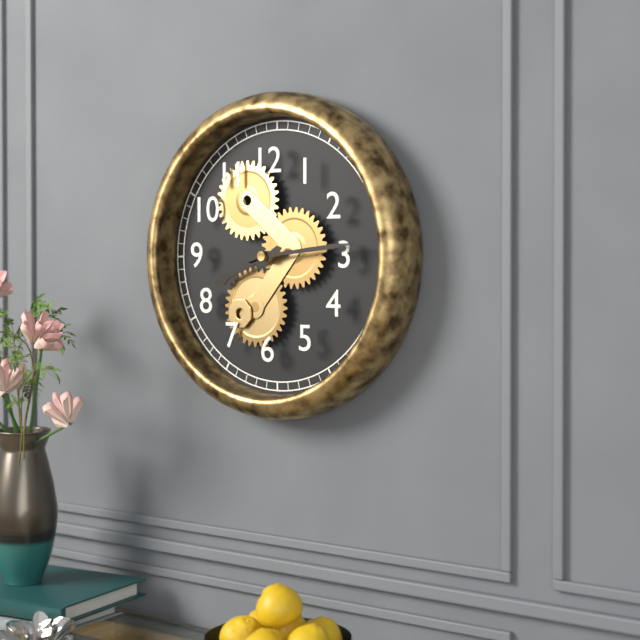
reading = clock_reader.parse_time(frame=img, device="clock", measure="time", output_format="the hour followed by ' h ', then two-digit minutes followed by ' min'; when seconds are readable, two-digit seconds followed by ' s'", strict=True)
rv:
8 h 14 min
